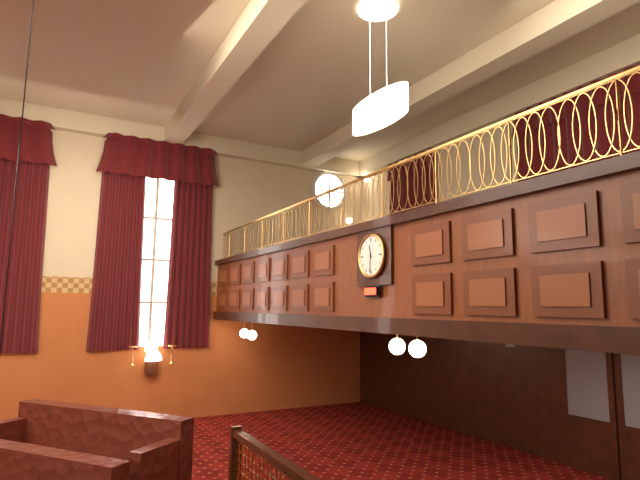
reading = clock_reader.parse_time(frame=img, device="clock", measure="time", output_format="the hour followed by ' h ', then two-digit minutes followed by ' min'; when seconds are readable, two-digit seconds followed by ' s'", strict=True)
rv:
11 h 31 min
